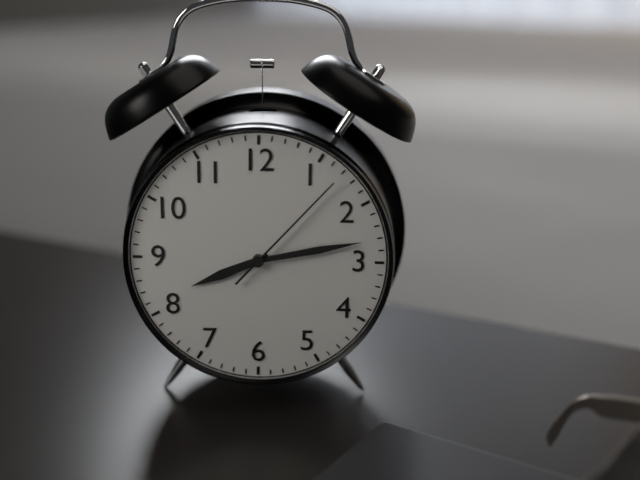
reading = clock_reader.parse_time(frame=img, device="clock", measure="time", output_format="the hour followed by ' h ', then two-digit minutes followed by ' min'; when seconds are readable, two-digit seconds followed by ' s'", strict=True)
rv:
8 h 13 min 07 s
